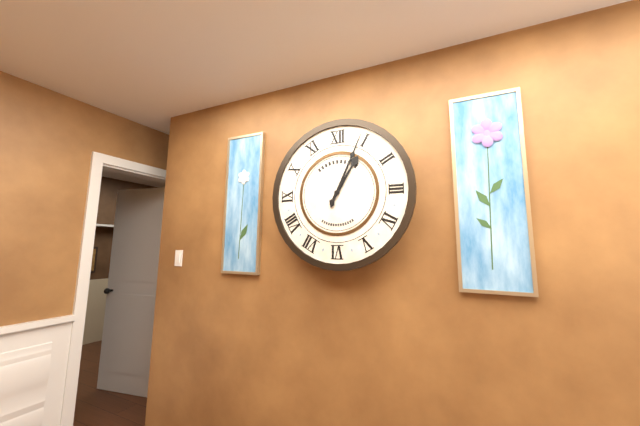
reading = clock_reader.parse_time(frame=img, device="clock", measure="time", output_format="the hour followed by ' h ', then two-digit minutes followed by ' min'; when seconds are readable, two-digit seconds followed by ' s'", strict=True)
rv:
1 h 04 min
